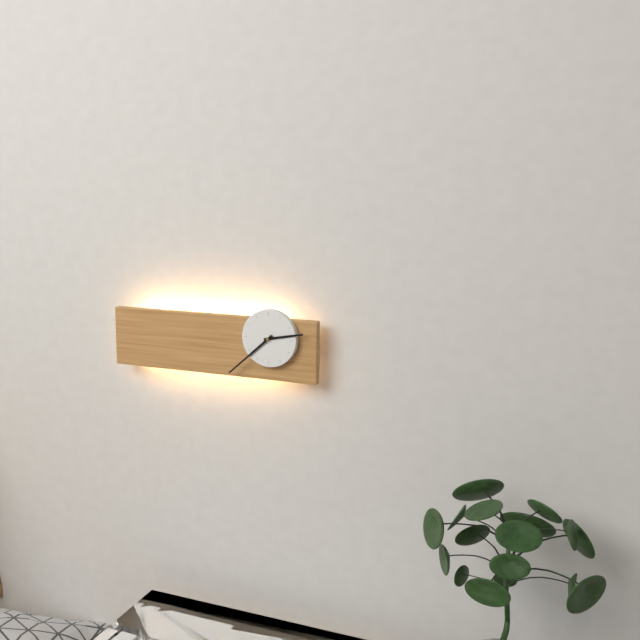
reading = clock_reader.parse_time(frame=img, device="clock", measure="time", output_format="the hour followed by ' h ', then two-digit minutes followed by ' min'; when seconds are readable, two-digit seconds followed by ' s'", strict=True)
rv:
2 h 38 min
